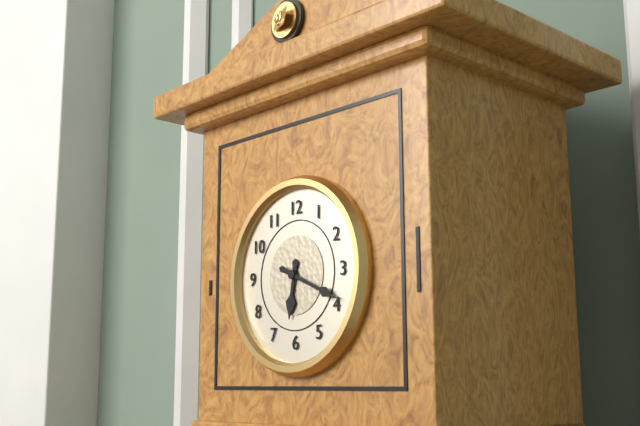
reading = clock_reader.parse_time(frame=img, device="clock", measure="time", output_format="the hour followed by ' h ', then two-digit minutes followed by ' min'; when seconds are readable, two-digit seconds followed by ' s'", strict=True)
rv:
6 h 19 min
